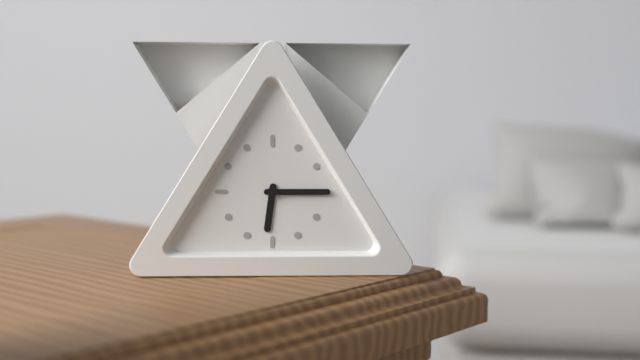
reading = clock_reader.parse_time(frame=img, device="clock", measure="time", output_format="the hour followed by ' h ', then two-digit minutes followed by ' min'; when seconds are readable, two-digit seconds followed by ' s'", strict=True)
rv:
6 h 15 min
